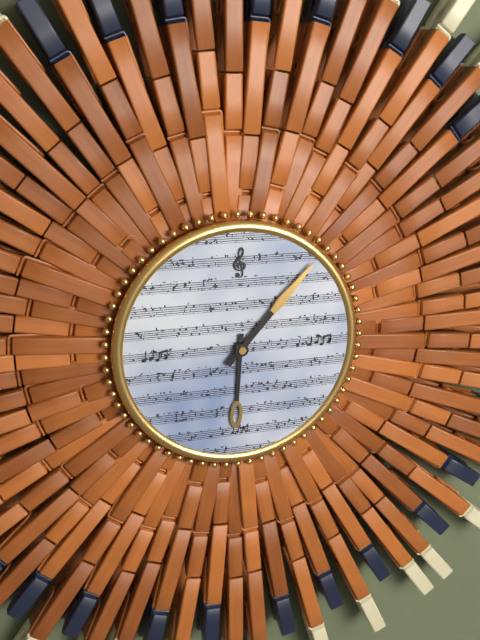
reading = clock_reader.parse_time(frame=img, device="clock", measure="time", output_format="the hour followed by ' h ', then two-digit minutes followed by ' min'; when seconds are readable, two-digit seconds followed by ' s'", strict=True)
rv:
6 h 07 min
